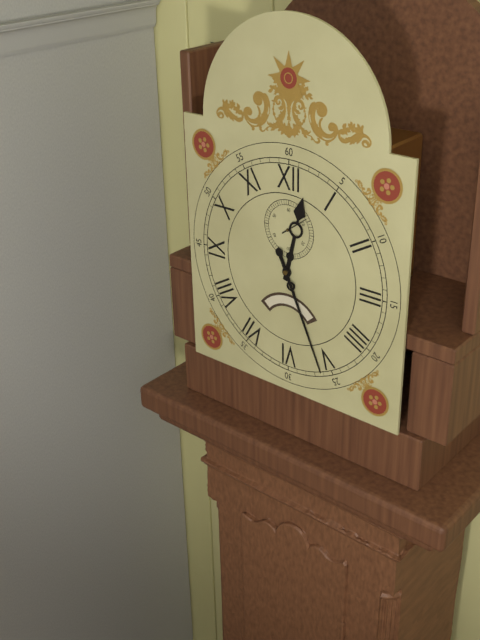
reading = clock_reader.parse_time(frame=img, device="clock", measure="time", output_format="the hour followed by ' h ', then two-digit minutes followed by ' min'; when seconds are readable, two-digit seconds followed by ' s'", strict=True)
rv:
12 h 26 min
